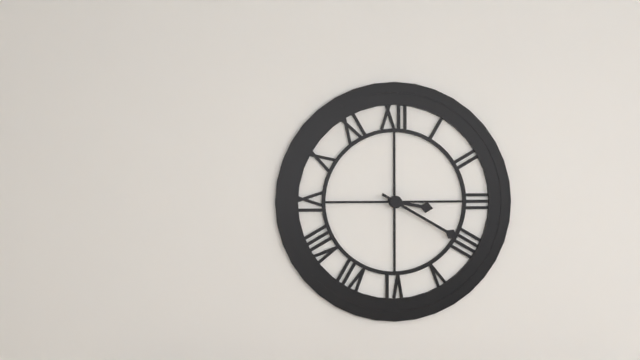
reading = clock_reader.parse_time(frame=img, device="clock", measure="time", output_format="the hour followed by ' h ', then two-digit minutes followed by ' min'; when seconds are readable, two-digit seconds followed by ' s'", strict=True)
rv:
3 h 20 min
